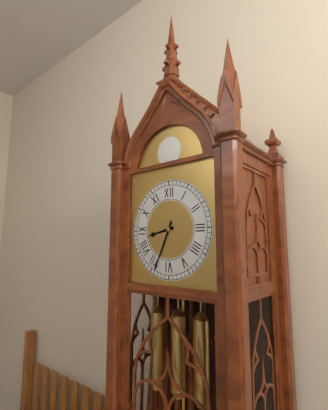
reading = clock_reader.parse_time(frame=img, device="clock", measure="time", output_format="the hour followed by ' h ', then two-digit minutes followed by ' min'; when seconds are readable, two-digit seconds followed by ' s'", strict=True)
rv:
8 h 34 min
